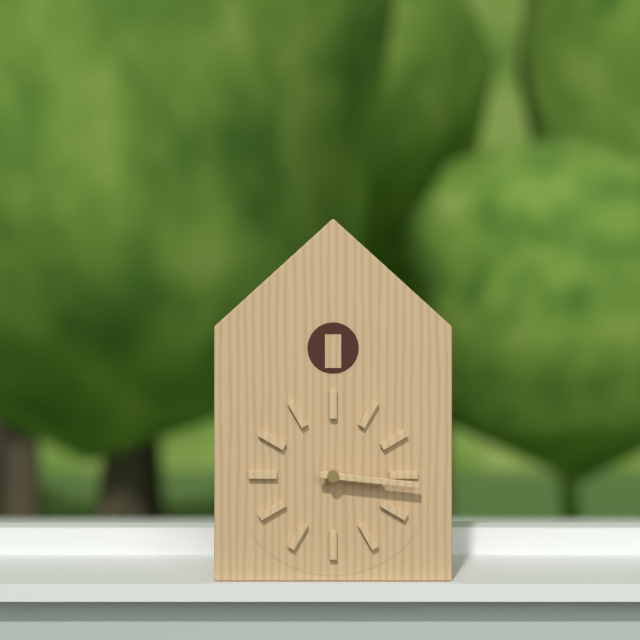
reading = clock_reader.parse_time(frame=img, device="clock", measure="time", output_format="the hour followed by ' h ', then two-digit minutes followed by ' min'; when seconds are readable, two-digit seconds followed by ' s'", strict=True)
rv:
3 h 16 min
